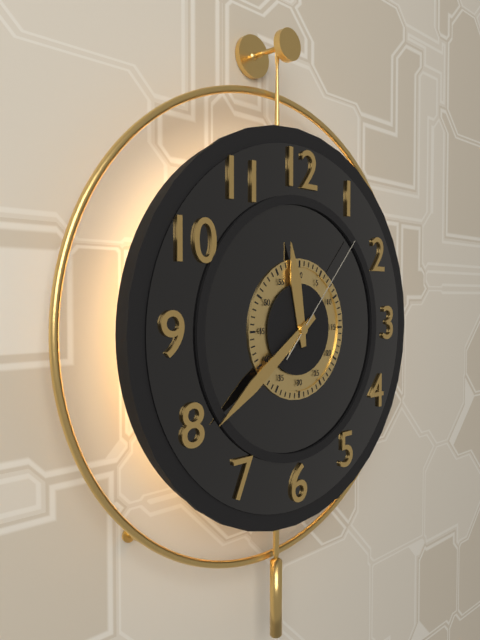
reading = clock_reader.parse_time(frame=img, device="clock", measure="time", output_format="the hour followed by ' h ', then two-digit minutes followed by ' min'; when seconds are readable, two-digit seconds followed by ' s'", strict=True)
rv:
11 h 39 min 07 s
